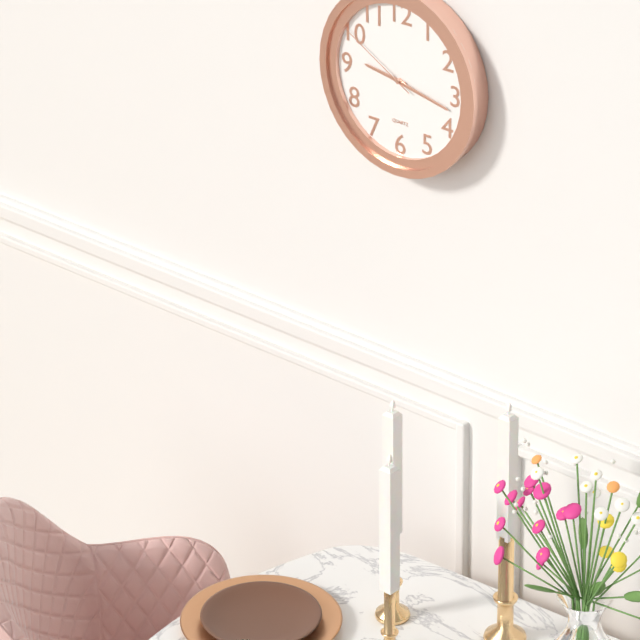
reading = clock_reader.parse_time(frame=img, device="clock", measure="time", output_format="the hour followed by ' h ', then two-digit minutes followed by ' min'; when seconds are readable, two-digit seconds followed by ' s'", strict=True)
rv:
9 h 17 min 50 s
